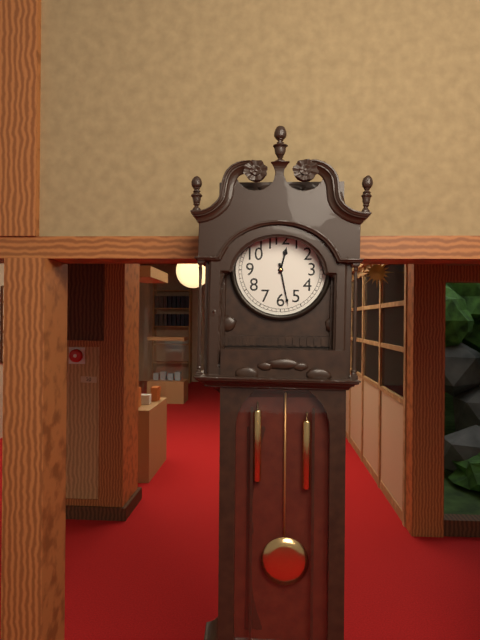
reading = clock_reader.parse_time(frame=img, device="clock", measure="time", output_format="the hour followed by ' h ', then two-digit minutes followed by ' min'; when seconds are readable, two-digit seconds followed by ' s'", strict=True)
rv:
12 h 28 min
